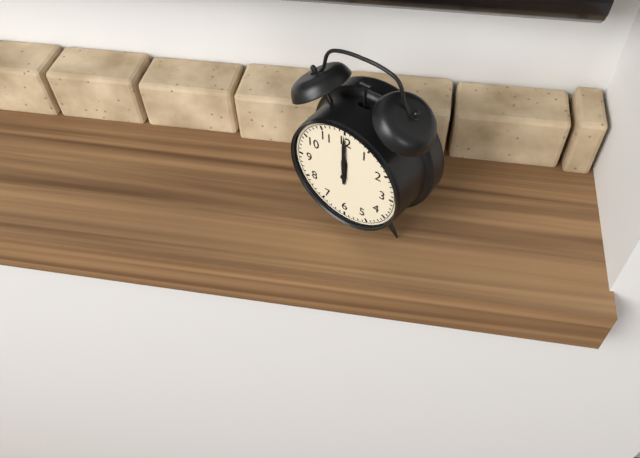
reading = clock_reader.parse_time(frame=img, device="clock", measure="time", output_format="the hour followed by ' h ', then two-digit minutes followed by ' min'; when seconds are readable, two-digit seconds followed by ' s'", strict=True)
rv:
12 h 00 min
